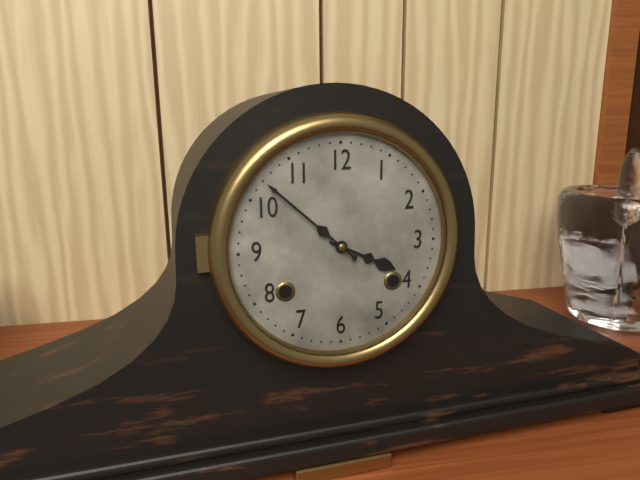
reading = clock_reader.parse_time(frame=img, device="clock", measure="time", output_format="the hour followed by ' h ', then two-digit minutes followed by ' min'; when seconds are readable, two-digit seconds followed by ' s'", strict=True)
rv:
3 h 52 min
